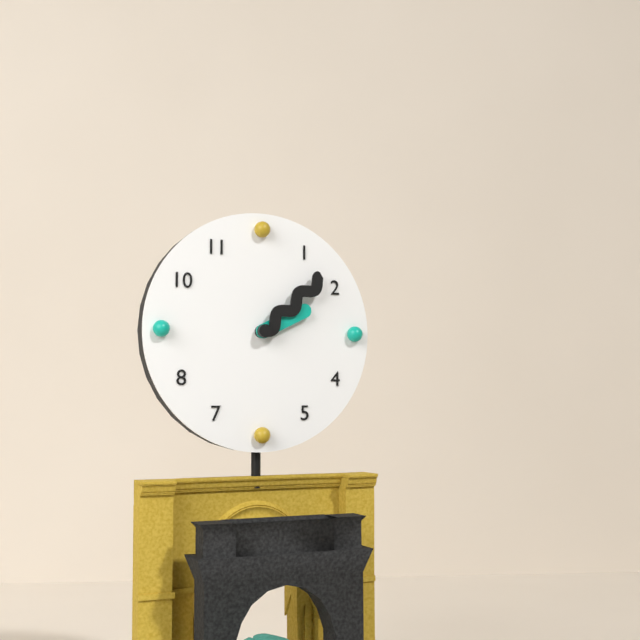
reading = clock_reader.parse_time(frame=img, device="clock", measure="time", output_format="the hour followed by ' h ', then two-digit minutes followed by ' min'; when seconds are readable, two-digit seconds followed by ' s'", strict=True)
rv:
2 h 08 min
